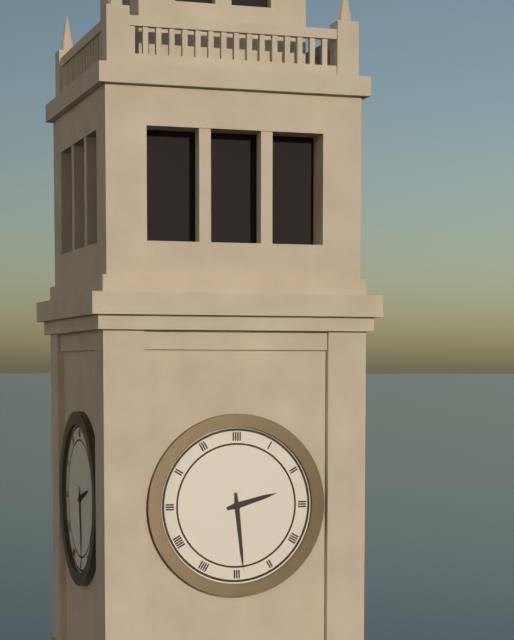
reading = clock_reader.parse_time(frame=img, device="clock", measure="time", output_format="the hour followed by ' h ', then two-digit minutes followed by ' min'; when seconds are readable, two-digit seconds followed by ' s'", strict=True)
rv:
2 h 29 min
